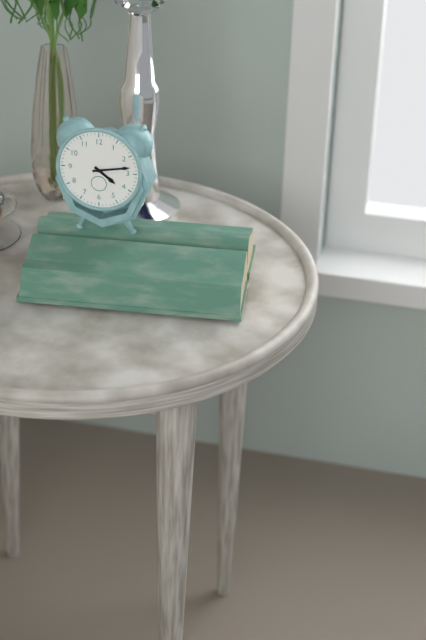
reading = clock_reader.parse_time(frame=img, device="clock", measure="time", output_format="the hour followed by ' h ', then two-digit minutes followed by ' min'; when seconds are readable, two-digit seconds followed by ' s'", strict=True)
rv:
4 h 13 min
